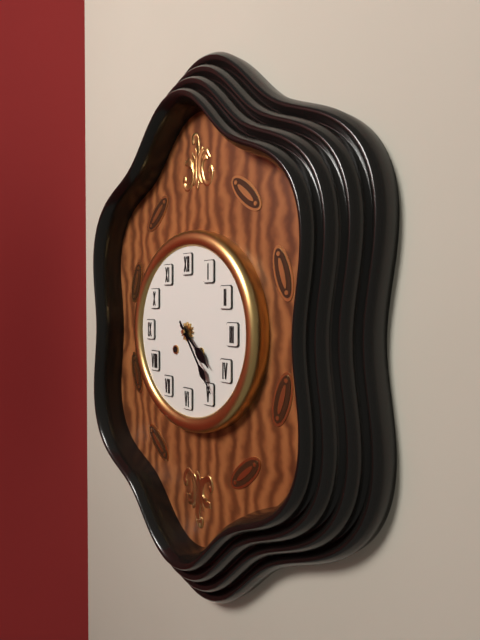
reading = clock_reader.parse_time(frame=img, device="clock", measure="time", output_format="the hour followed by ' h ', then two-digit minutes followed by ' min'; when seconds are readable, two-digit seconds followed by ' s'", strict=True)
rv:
4 h 24 min
